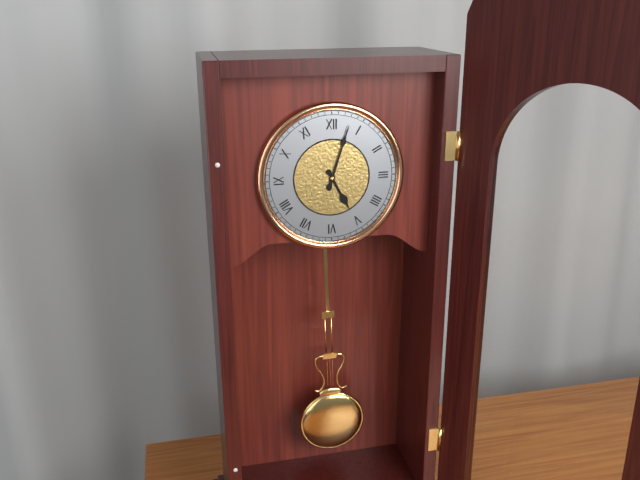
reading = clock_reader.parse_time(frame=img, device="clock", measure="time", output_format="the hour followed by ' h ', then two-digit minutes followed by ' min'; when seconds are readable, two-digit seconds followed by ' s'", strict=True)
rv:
5 h 03 min
